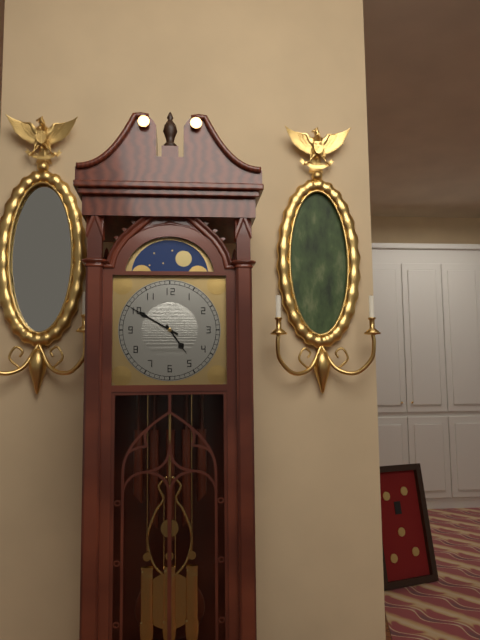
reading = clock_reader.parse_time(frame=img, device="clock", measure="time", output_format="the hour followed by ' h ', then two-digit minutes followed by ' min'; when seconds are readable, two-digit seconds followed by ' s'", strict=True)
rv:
4 h 50 min
